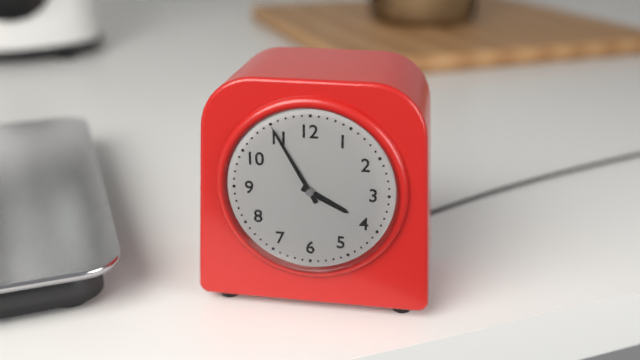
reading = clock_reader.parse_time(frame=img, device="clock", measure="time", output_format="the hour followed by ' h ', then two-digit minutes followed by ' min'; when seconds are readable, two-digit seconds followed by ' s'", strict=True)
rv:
3 h 55 min
